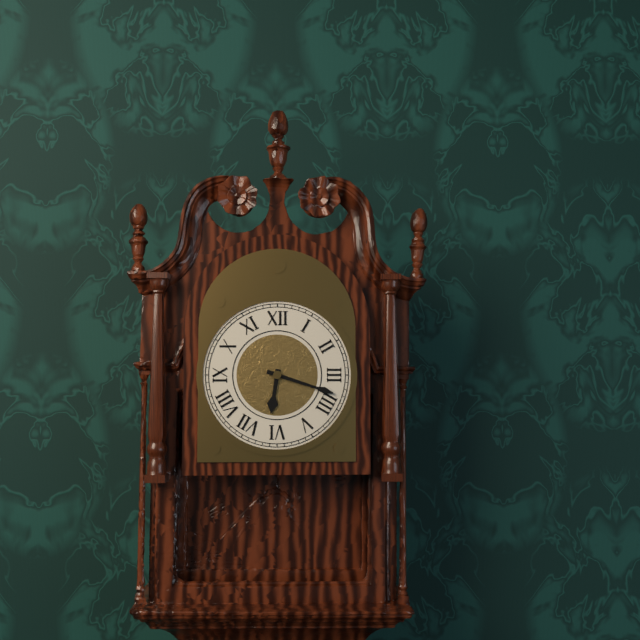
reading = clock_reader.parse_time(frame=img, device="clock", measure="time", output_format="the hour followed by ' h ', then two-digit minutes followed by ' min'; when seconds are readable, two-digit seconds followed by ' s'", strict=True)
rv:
6 h 18 min
